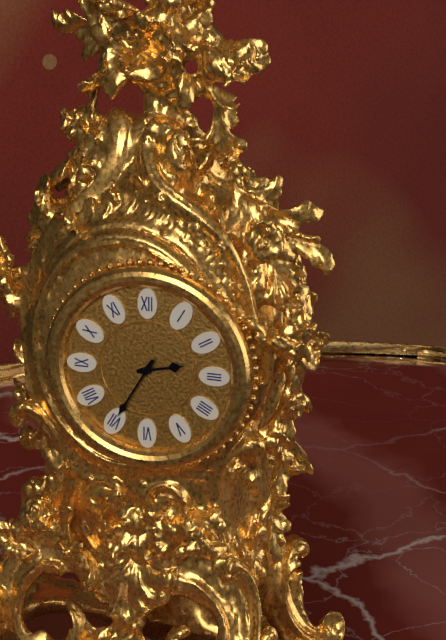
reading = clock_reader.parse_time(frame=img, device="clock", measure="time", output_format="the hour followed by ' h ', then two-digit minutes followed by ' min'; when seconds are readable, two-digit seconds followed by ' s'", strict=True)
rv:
2 h 35 min
